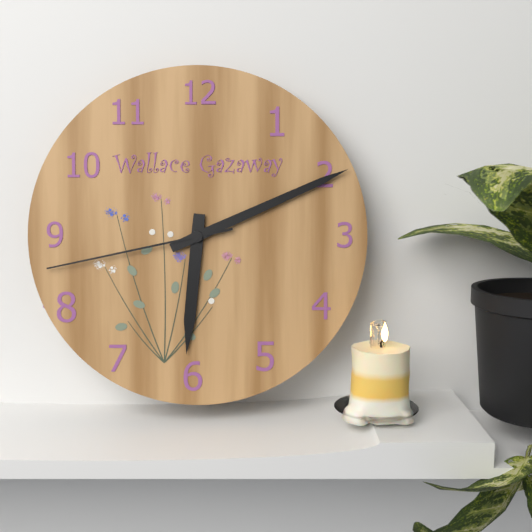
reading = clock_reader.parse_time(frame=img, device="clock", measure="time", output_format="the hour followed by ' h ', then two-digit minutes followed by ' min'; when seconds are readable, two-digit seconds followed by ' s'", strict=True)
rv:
6 h 11 min 43 s
